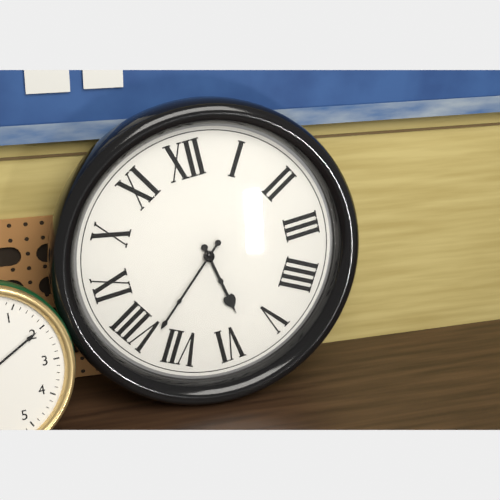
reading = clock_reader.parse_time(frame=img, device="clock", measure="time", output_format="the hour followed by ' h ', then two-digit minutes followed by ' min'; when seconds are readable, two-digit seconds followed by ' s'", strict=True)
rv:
5 h 38 min
